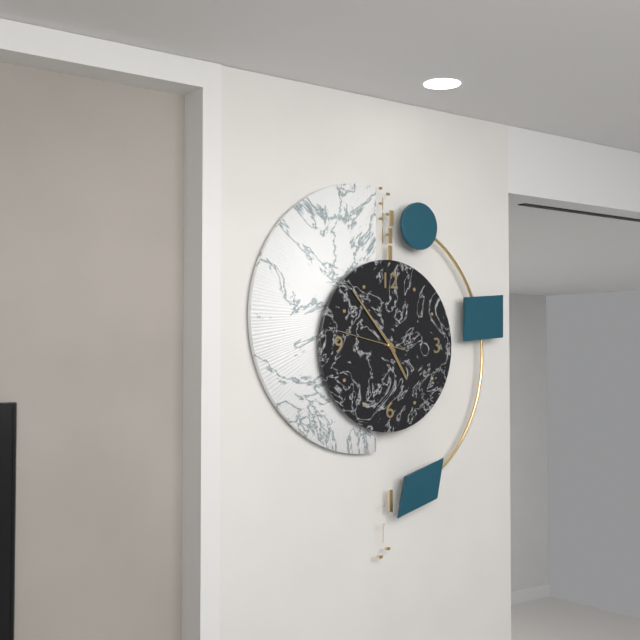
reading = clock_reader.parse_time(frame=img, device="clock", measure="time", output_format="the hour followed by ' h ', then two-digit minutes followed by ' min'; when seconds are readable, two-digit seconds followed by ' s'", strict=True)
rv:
4 h 53 min 47 s
